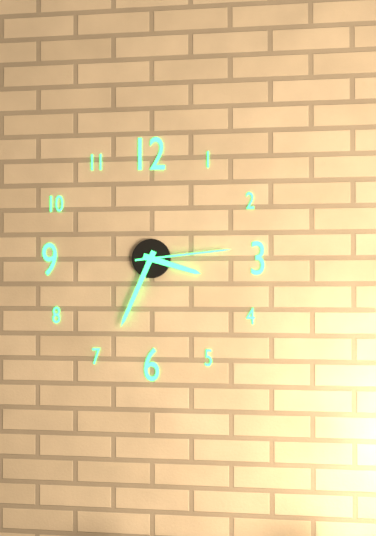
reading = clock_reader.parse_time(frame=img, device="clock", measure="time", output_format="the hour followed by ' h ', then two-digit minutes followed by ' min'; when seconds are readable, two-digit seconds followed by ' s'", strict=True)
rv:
3 h 34 min 14 s
